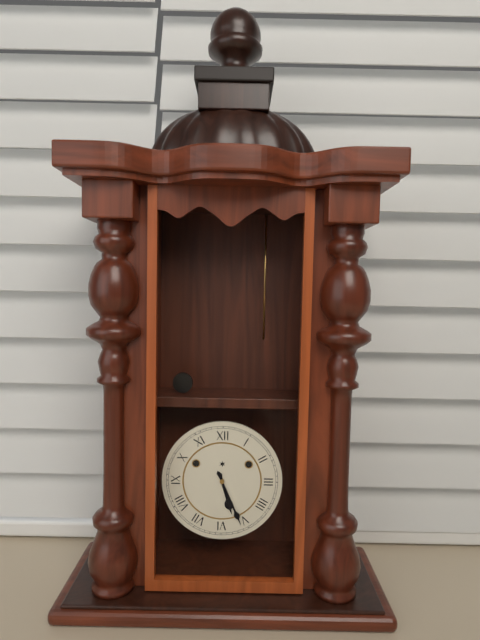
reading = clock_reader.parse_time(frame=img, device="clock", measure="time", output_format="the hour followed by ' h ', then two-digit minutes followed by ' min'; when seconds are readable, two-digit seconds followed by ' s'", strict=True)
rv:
5 h 26 min
